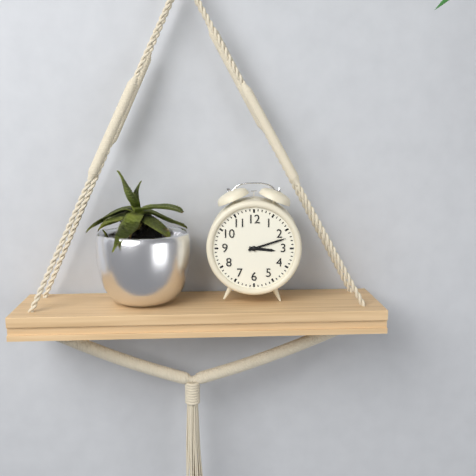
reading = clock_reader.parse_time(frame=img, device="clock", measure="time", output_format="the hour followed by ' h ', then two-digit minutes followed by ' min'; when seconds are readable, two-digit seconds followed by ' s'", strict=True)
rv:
3 h 12 min
